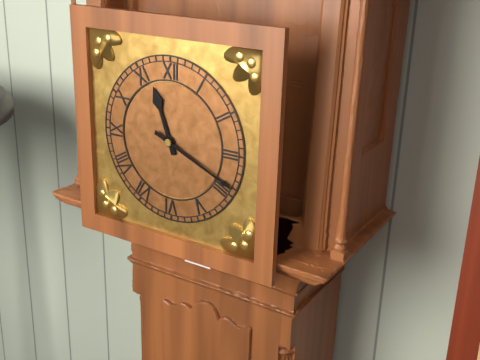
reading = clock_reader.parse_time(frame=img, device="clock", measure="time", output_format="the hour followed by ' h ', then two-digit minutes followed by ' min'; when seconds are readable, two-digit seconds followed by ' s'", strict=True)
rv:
11 h 19 min
